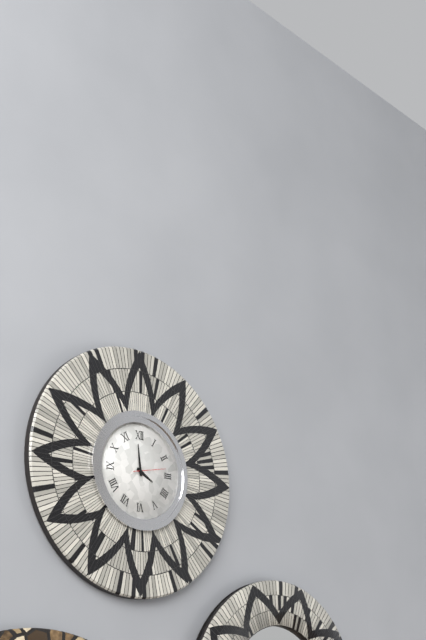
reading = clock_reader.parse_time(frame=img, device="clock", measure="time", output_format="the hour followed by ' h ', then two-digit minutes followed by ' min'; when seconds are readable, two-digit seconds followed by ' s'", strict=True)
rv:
3 h 59 min
